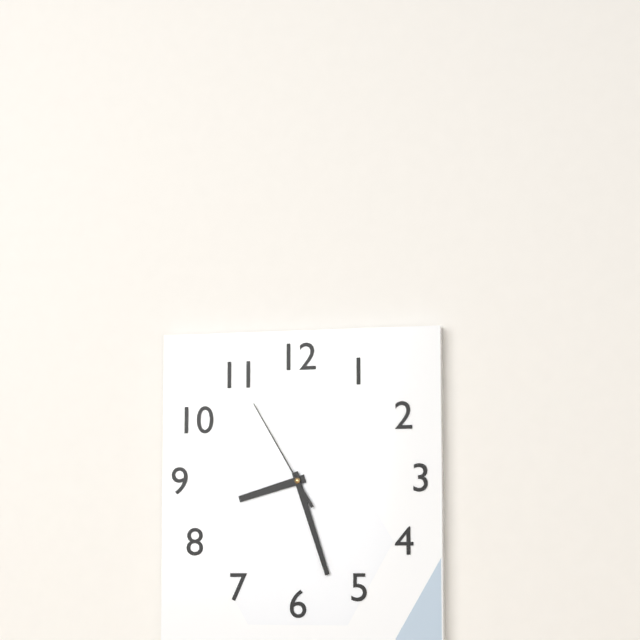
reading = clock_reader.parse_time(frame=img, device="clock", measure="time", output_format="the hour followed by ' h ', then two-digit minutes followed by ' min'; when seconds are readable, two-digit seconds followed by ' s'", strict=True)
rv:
8 h 27 min 55 s
